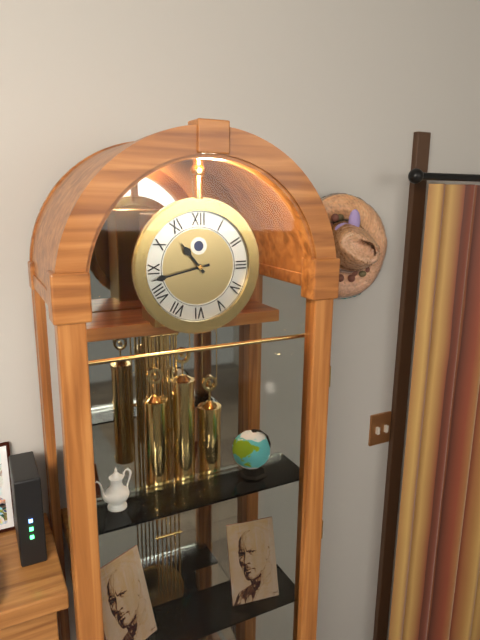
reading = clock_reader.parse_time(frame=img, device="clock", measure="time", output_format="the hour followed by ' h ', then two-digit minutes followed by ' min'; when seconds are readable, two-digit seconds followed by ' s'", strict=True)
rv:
10 h 43 min
